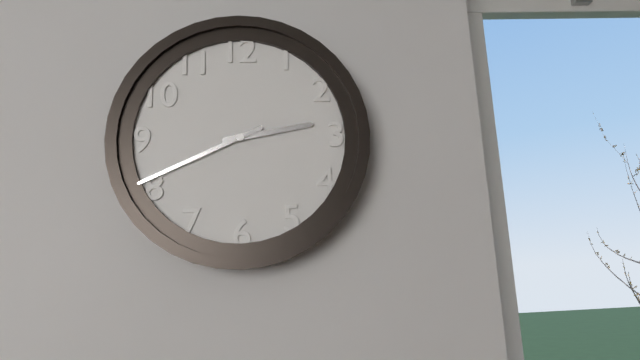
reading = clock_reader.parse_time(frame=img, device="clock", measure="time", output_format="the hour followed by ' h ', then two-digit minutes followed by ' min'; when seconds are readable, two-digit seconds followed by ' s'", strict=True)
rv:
2 h 41 min
